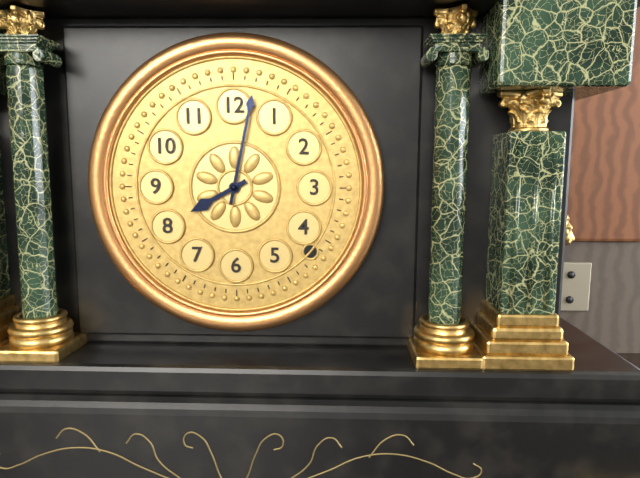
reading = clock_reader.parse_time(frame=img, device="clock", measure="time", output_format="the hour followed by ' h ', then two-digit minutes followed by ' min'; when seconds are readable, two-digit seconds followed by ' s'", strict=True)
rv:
8 h 02 min
